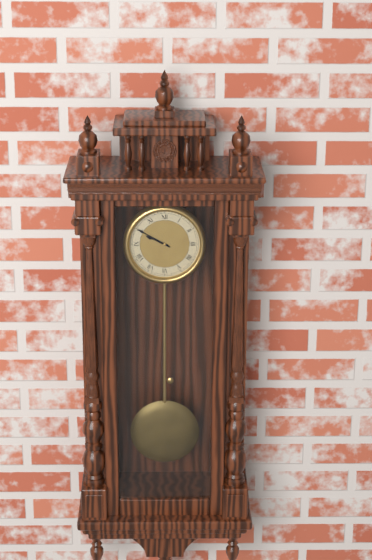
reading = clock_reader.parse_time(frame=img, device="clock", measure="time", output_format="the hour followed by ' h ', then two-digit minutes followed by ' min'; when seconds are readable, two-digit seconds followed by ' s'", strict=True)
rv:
9 h 50 min
